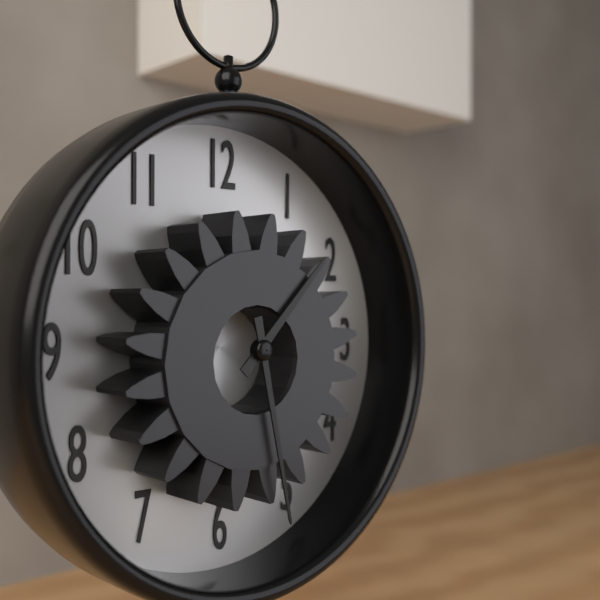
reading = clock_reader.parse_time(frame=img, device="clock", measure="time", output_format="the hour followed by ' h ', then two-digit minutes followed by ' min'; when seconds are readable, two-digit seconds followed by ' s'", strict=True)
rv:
1 h 28 min
